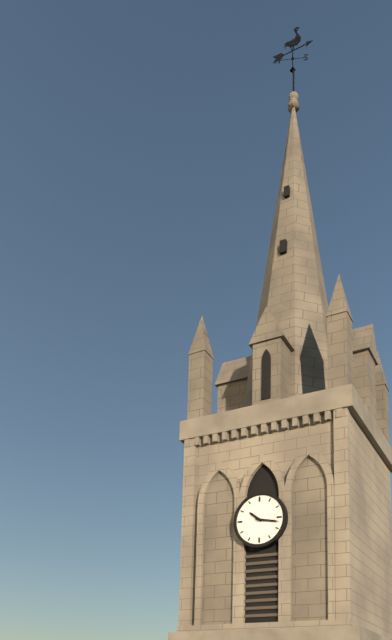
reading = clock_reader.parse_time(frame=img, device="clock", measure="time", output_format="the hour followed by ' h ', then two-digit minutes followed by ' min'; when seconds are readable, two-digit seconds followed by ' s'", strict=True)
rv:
10 h 17 min
